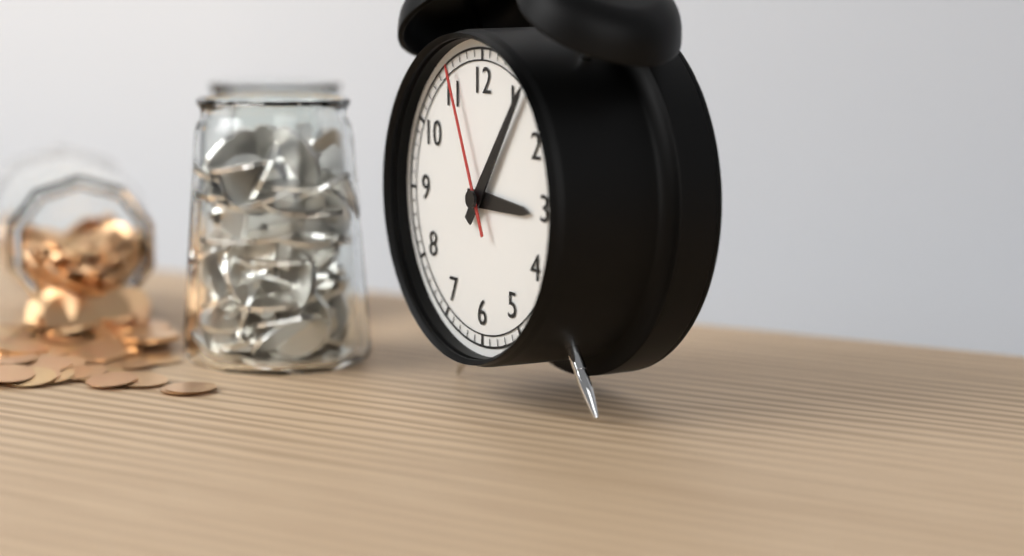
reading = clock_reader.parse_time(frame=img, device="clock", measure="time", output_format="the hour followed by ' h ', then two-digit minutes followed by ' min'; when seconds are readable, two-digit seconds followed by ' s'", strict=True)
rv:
3 h 06 min 56 s
